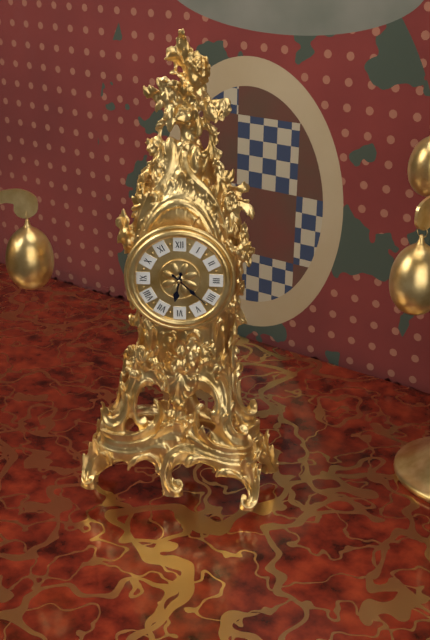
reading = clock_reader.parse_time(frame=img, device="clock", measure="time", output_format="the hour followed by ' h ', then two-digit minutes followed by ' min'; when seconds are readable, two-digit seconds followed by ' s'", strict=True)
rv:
6 h 22 min
